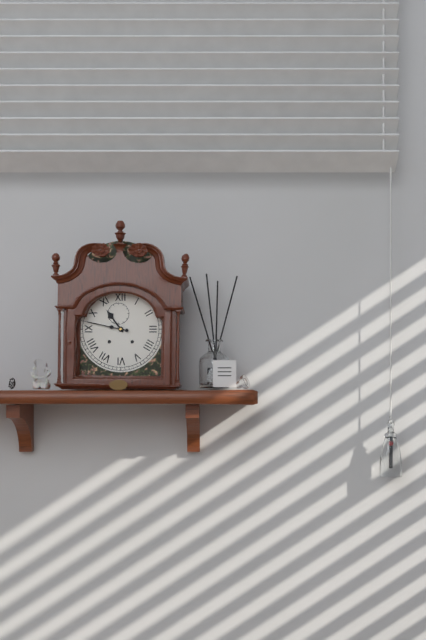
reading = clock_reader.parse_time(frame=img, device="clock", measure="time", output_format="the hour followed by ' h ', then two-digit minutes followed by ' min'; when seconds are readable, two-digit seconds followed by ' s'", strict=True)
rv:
10 h 47 min
